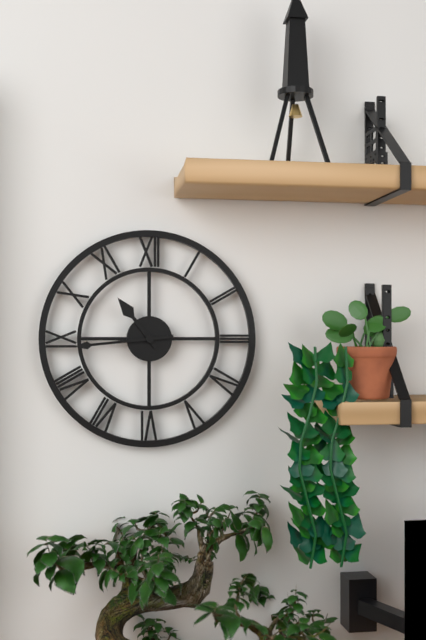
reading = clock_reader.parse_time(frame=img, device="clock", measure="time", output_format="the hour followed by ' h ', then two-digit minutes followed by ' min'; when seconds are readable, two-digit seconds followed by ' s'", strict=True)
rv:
10 h 44 min
